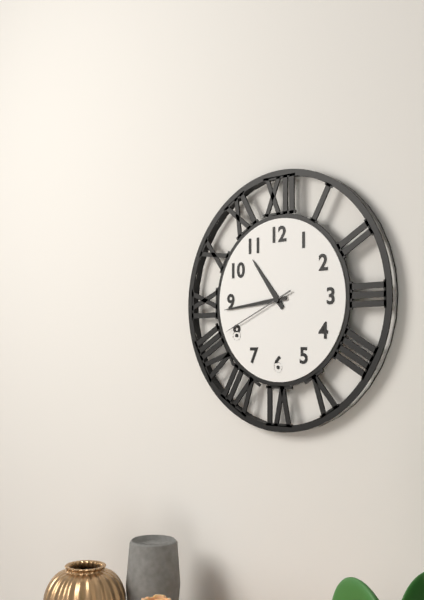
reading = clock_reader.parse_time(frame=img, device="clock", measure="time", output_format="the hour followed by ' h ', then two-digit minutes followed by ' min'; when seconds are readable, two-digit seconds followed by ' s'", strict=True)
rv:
10 h 44 min 41 s
